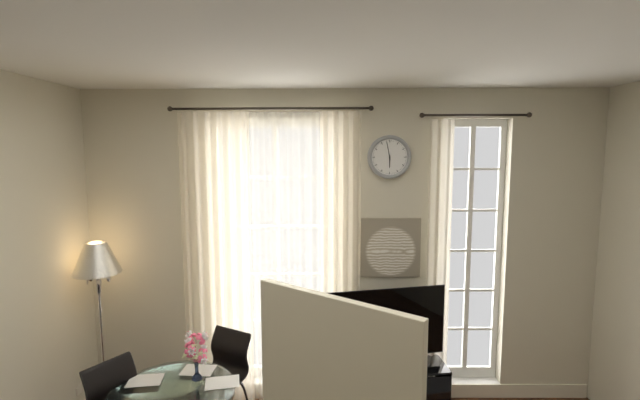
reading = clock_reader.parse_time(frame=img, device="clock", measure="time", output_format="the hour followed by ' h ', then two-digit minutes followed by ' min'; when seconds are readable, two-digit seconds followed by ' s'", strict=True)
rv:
5 h 58 min
